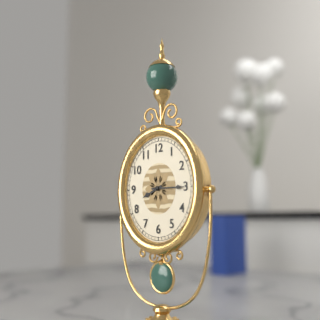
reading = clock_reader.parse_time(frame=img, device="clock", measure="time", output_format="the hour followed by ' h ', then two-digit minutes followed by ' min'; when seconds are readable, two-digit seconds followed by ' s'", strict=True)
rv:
8 h 15 min
